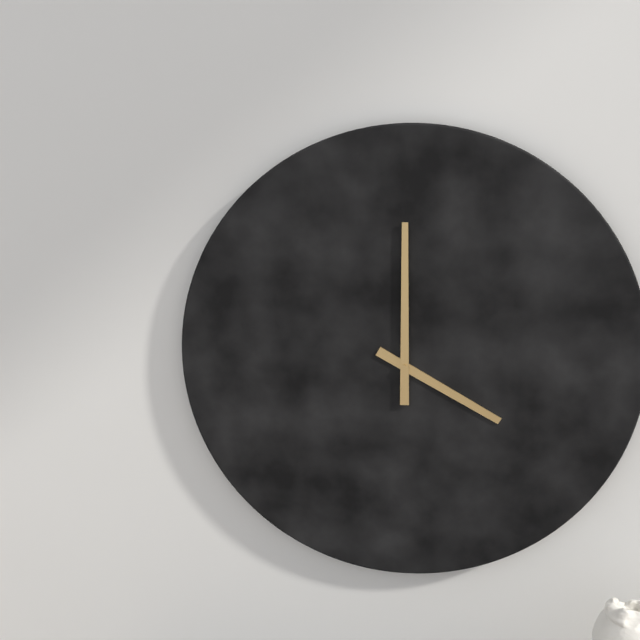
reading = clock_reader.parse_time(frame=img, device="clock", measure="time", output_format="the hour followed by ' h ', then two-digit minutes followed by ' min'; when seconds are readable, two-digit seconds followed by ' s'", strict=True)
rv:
4 h 00 min
